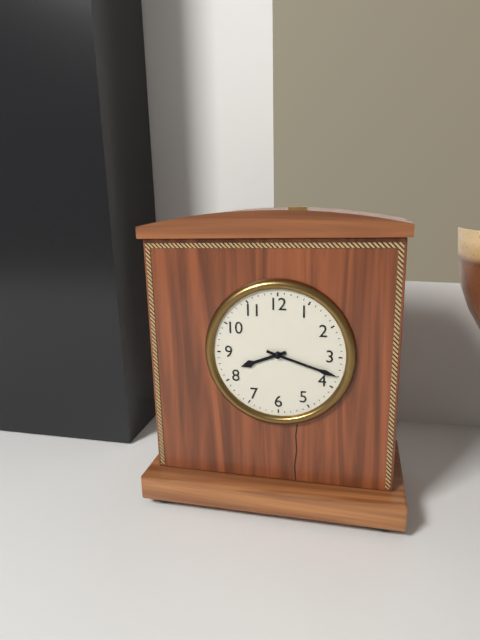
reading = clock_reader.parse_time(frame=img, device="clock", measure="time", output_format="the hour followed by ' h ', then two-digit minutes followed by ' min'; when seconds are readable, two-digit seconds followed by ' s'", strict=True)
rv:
8 h 18 min
